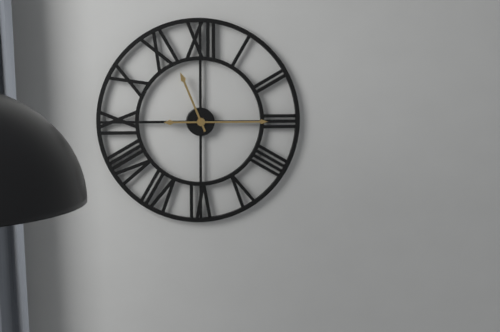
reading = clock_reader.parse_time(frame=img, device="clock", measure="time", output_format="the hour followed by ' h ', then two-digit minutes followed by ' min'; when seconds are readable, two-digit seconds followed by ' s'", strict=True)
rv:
11 h 15 min
